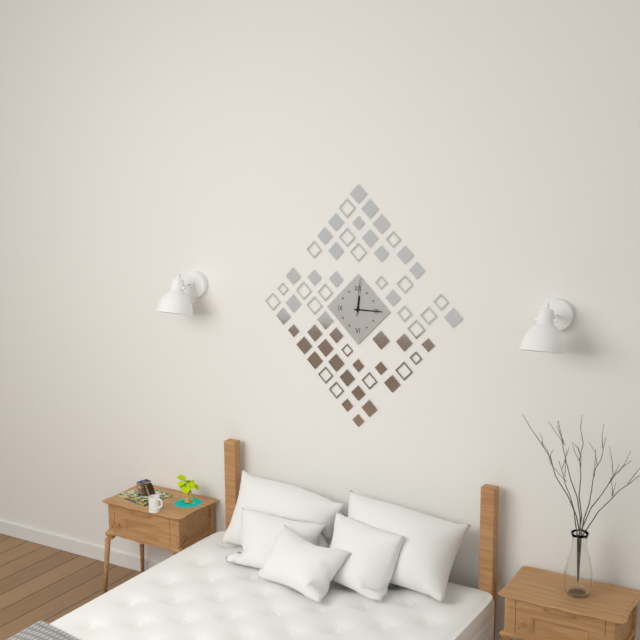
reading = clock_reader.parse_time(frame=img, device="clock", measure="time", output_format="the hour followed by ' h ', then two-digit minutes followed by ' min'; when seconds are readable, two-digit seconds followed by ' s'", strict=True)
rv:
12 h 15 min
